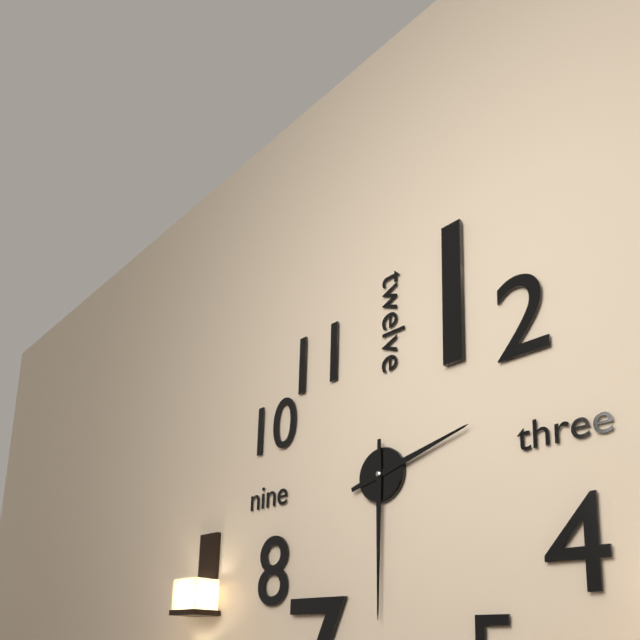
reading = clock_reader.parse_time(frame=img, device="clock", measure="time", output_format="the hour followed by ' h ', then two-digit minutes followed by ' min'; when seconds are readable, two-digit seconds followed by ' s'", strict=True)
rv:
2 h 30 min
